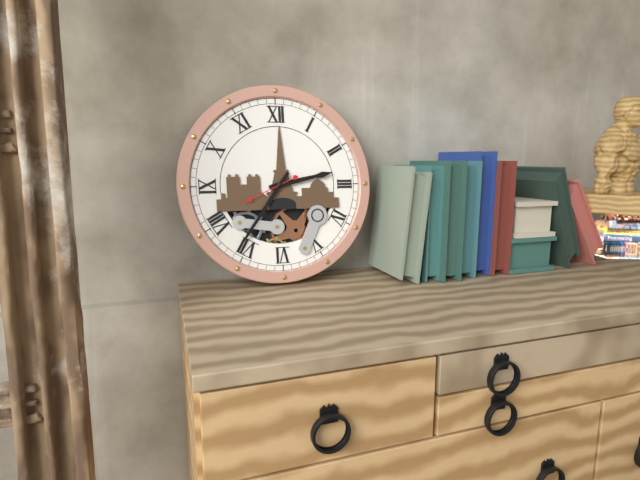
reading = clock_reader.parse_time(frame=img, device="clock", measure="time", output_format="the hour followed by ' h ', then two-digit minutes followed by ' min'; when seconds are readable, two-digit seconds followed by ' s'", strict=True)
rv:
2 h 36 min
